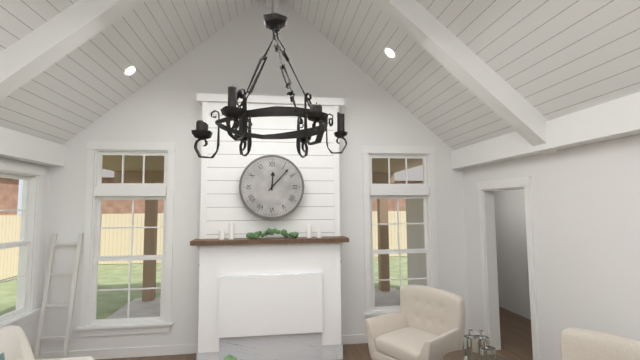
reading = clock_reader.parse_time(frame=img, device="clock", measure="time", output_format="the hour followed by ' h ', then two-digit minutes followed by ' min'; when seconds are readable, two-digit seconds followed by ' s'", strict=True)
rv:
12 h 07 min
